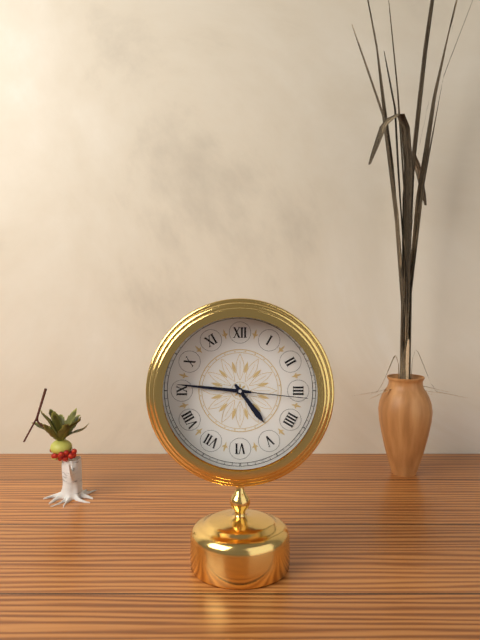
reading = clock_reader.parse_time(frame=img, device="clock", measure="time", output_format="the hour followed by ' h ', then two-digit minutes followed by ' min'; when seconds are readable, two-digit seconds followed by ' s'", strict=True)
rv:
4 h 46 min 16 s
